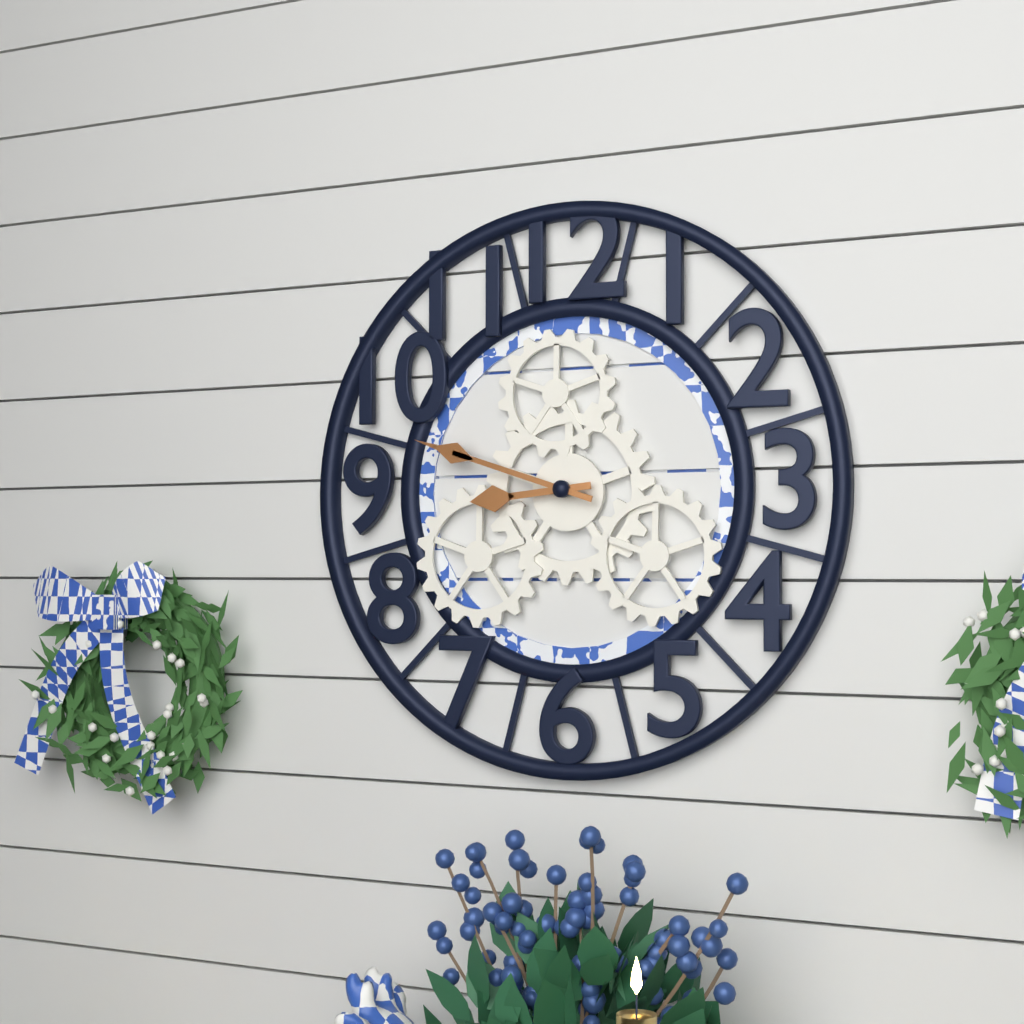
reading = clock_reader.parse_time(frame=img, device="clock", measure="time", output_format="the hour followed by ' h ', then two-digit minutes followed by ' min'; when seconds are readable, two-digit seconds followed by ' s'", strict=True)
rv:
8 h 48 min
